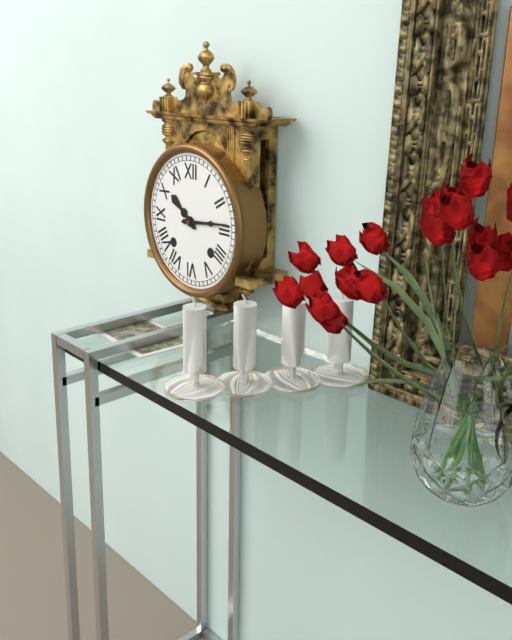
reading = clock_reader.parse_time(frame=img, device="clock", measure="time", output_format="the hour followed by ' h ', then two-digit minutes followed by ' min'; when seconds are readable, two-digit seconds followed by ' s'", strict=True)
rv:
10 h 14 min
